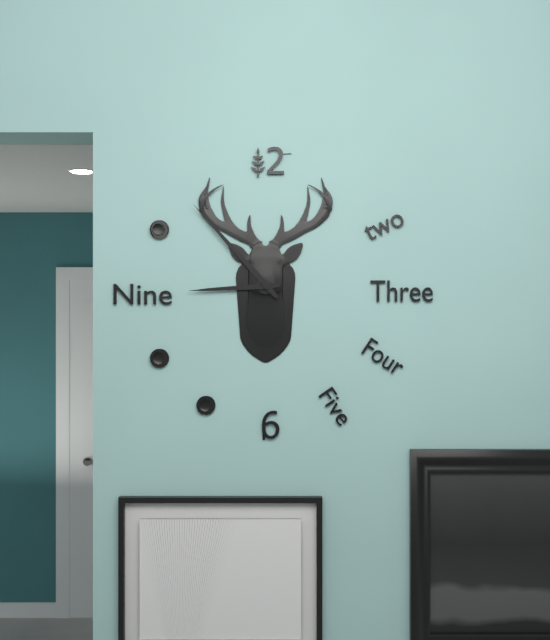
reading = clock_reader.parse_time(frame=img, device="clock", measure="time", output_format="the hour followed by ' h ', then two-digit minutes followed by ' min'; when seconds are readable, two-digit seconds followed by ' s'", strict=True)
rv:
8 h 53 min
